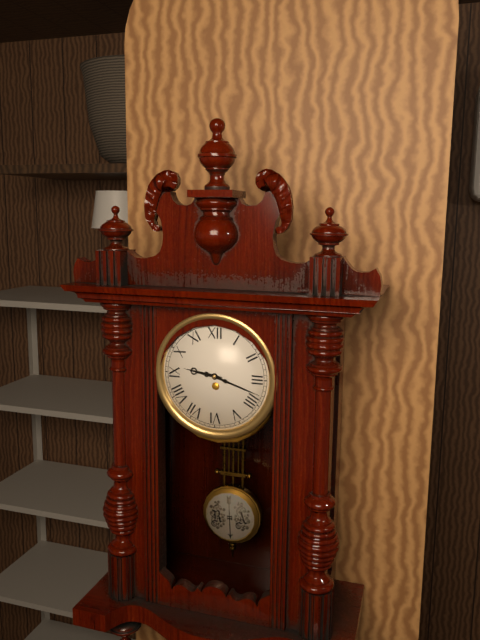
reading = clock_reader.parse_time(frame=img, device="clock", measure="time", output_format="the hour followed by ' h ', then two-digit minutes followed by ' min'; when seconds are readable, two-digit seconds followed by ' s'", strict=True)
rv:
9 h 18 min
